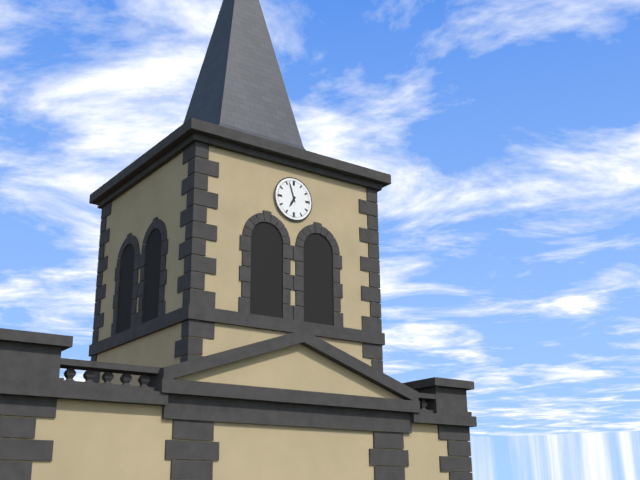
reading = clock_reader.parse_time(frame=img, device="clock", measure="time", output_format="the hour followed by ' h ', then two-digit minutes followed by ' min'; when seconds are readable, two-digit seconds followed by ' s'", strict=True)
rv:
6 h 57 min
